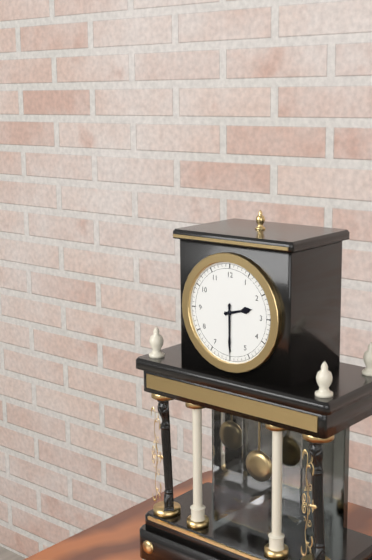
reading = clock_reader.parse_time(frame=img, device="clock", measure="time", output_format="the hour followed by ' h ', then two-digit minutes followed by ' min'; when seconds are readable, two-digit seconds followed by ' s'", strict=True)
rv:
2 h 30 min
